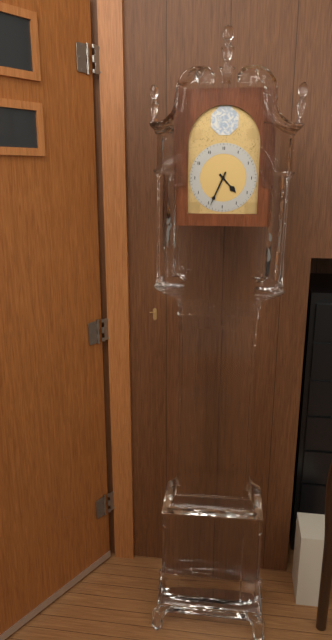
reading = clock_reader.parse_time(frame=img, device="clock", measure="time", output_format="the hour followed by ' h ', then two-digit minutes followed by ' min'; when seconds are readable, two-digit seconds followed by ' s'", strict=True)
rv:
4 h 34 min
